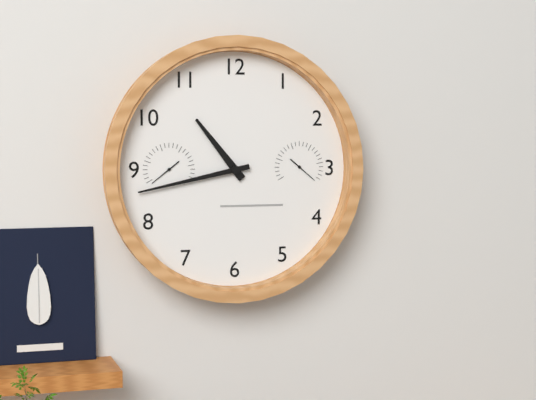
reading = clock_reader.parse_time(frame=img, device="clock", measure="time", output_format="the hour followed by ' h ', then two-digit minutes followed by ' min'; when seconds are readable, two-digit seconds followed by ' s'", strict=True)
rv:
10 h 43 min
